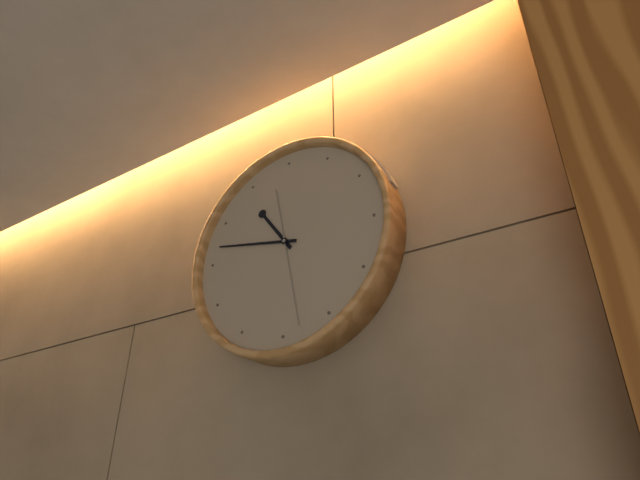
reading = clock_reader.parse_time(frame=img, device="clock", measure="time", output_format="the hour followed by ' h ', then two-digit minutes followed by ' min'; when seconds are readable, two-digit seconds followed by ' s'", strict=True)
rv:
10 h 47 min 28 s
